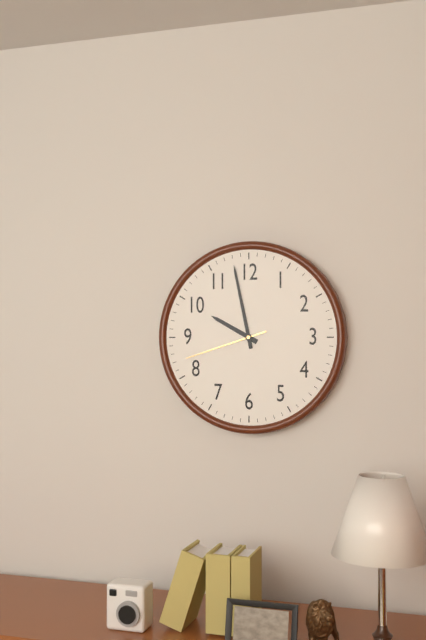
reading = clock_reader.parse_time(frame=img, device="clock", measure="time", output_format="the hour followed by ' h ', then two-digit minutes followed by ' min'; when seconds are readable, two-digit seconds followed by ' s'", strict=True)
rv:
9 h 58 min 42 s
